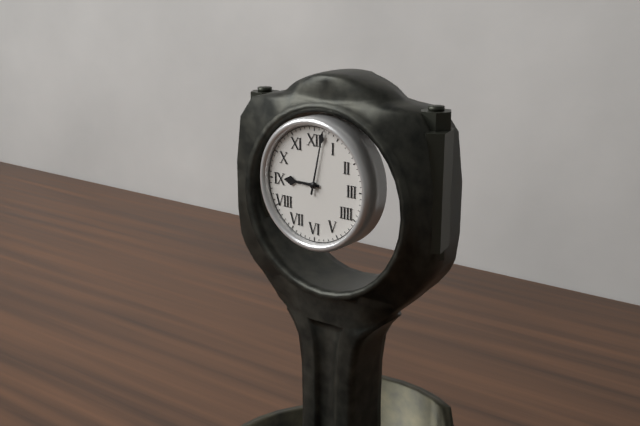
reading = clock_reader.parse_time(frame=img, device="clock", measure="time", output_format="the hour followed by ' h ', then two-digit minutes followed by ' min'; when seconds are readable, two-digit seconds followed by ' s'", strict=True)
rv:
9 h 02 min
